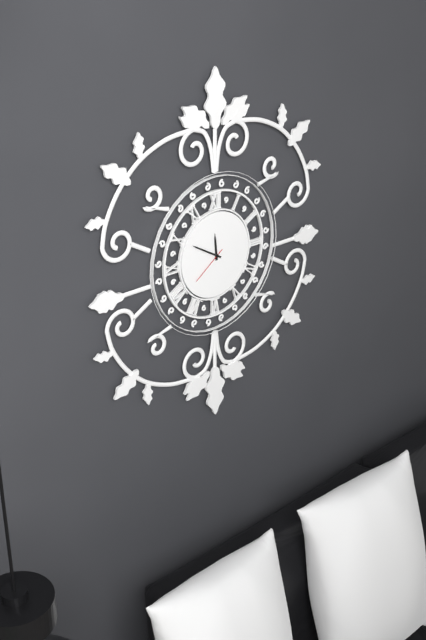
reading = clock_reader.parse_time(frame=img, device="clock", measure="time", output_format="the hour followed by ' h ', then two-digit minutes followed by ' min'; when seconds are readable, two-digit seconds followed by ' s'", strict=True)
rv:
11 h 50 min
